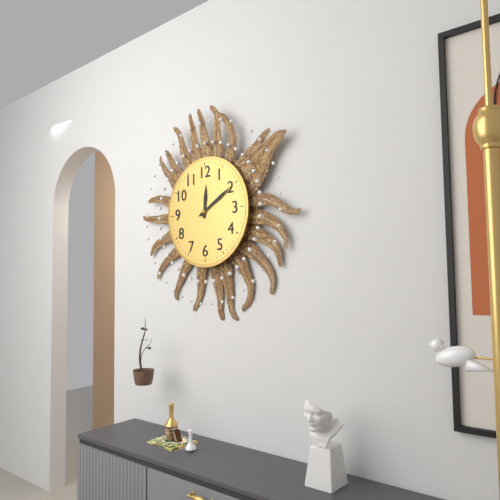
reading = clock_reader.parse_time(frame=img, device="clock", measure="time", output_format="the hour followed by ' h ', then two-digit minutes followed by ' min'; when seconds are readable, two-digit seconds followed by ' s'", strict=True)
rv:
12 h 10 min
